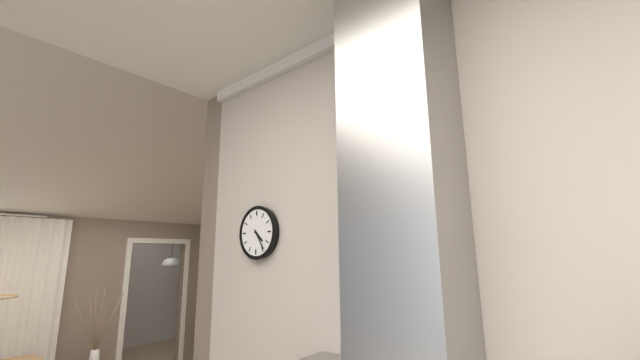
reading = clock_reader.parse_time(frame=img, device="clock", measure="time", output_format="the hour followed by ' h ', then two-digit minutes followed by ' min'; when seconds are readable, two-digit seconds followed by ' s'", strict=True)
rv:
4 h 24 min
